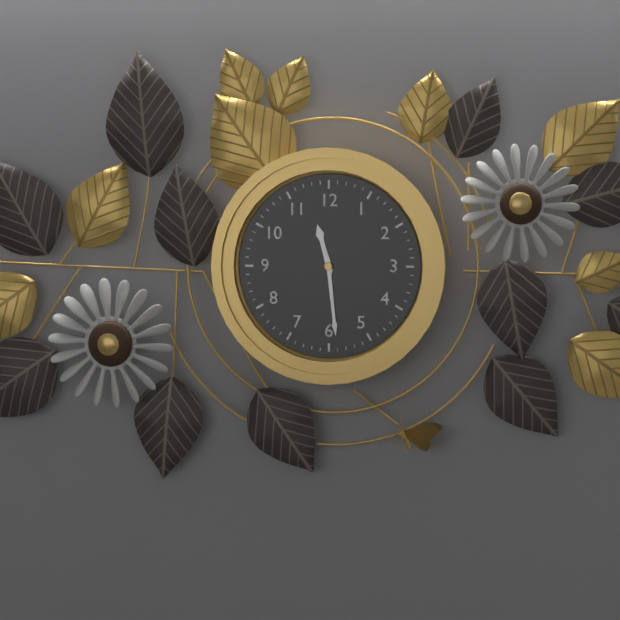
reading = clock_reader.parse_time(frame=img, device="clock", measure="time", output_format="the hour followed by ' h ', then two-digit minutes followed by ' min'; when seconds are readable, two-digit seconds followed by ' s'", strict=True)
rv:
11 h 29 min
